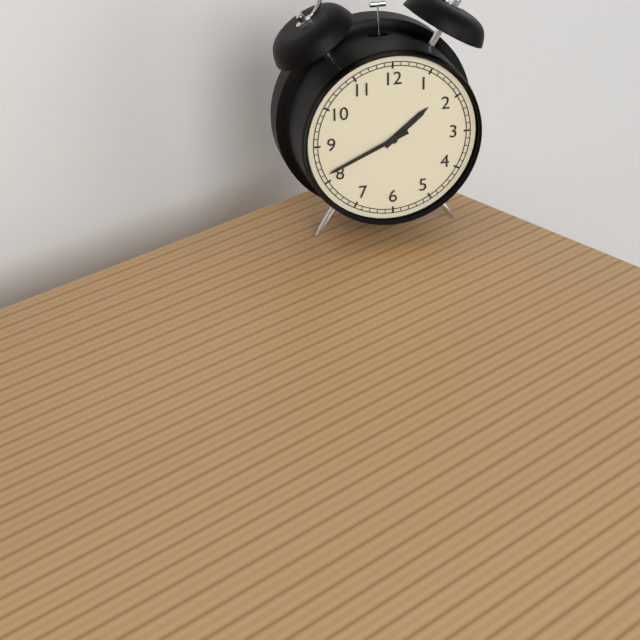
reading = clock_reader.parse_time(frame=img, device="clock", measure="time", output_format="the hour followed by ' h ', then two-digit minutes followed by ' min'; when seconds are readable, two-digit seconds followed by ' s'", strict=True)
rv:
1 h 41 min
